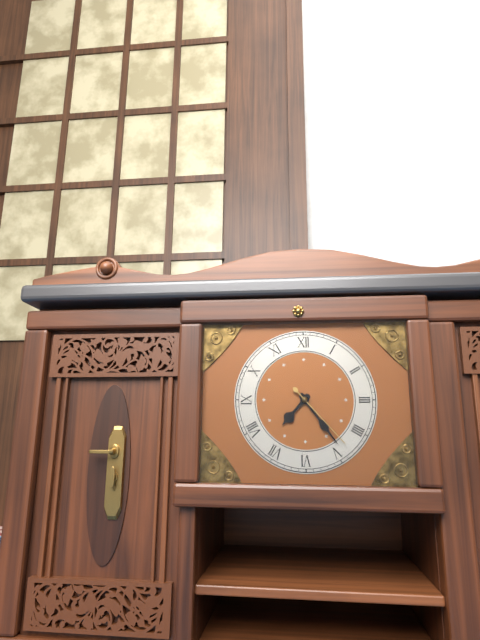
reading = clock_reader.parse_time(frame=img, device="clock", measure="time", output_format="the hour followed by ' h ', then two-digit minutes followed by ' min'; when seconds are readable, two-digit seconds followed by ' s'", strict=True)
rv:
7 h 24 min 23 s
